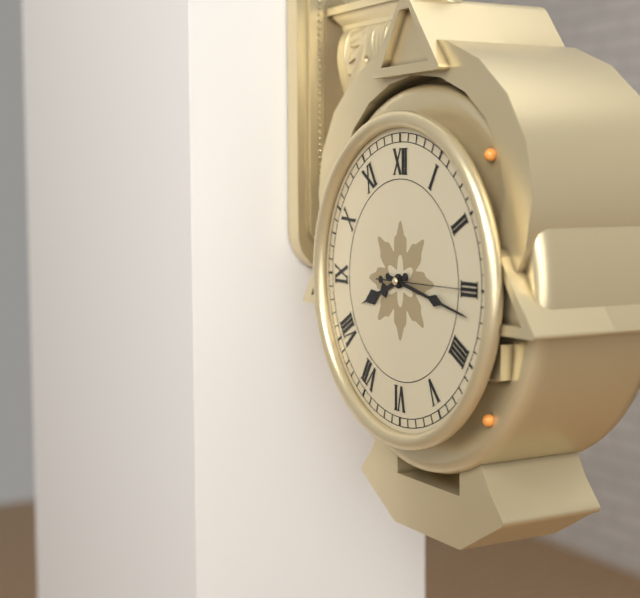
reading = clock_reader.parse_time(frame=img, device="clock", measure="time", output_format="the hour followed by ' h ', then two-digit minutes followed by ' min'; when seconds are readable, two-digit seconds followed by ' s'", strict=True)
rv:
8 h 17 min 15 s
